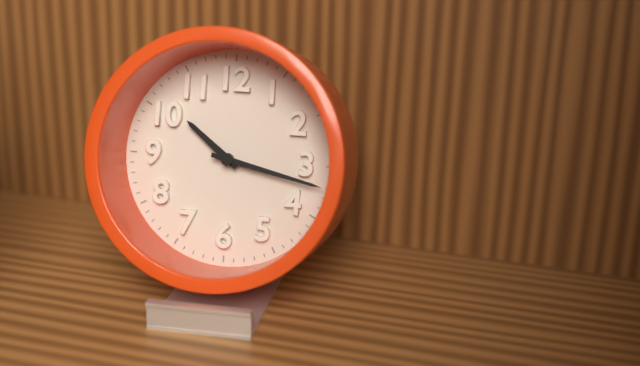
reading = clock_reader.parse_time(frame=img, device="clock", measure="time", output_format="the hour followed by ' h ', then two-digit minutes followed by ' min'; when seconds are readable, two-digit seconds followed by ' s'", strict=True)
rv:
10 h 17 min
